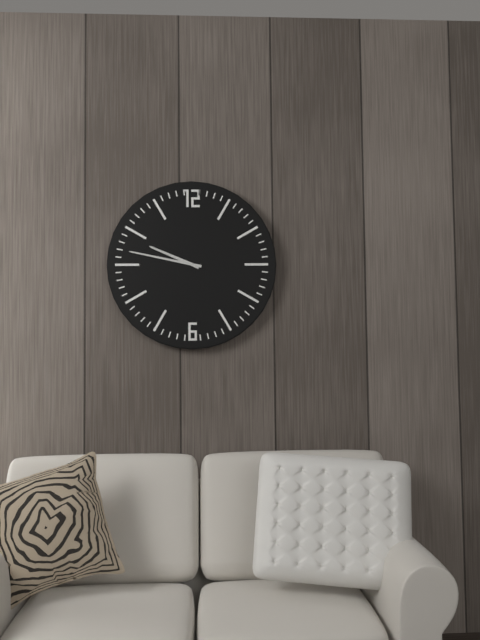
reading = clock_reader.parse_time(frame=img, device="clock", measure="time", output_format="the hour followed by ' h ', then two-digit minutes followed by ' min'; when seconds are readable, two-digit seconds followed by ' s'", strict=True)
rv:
9 h 47 min
